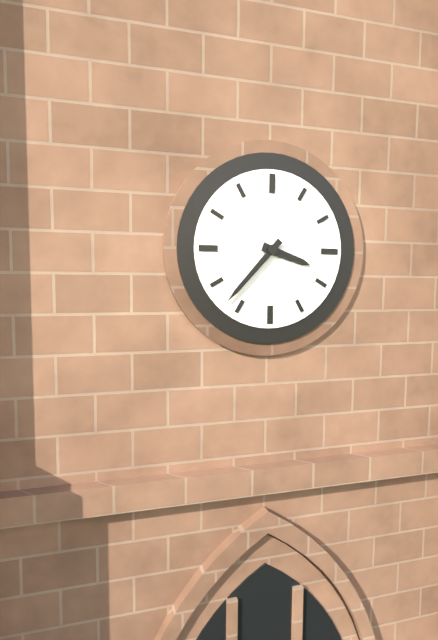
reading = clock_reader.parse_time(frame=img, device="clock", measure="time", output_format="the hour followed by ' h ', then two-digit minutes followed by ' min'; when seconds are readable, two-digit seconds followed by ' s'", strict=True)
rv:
3 h 37 min
